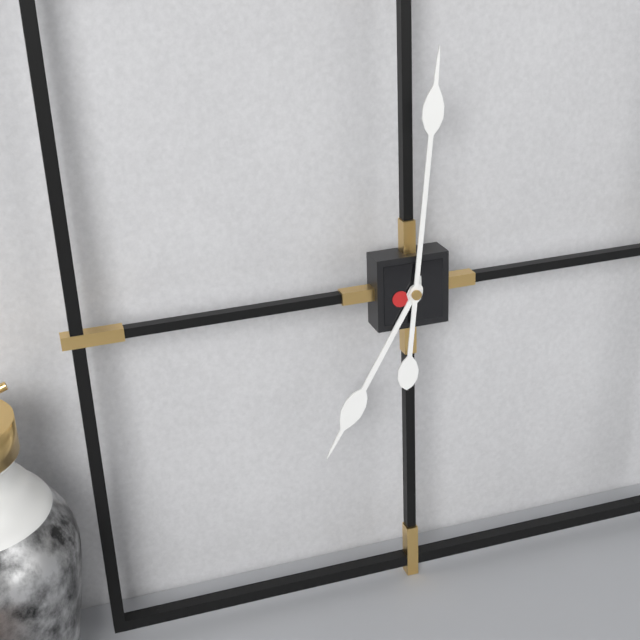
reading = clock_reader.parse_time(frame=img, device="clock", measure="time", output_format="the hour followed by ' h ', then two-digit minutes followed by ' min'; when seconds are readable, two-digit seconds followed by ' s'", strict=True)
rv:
7 h 01 min
